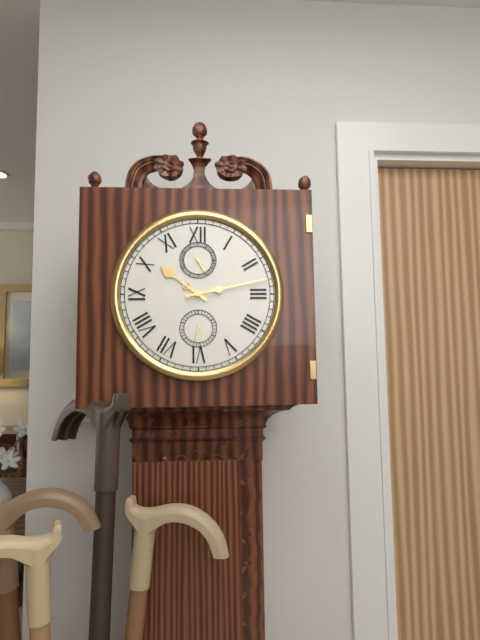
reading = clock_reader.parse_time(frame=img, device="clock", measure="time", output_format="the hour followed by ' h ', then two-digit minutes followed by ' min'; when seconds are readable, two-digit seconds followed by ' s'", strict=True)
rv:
10 h 13 min
